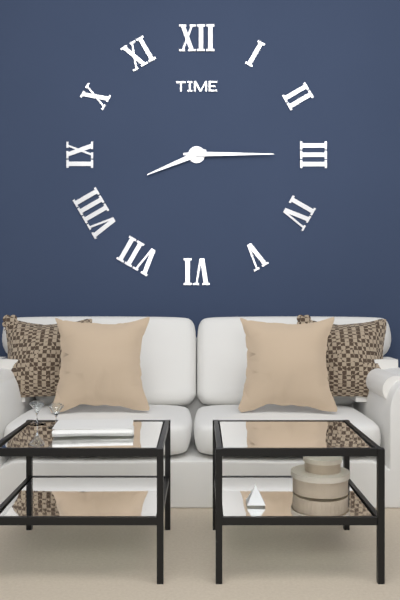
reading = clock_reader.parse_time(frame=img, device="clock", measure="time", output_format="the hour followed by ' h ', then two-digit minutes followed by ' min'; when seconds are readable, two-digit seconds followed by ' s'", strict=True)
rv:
8 h 15 min
